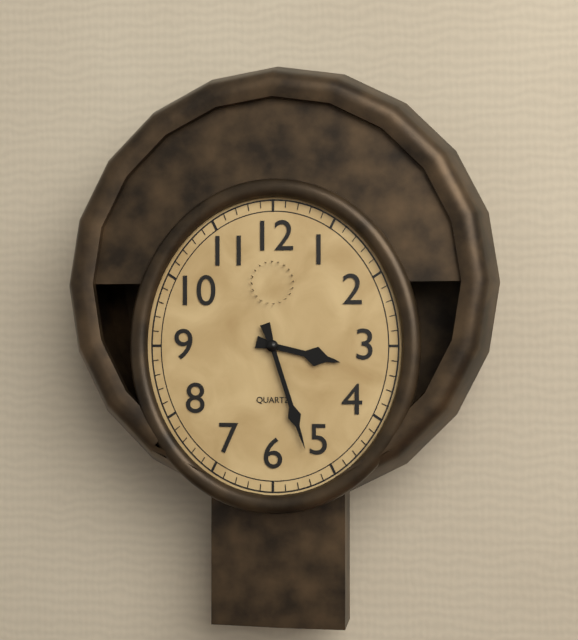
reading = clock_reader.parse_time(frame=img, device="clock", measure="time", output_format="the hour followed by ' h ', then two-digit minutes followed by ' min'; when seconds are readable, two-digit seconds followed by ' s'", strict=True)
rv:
3 h 27 min
